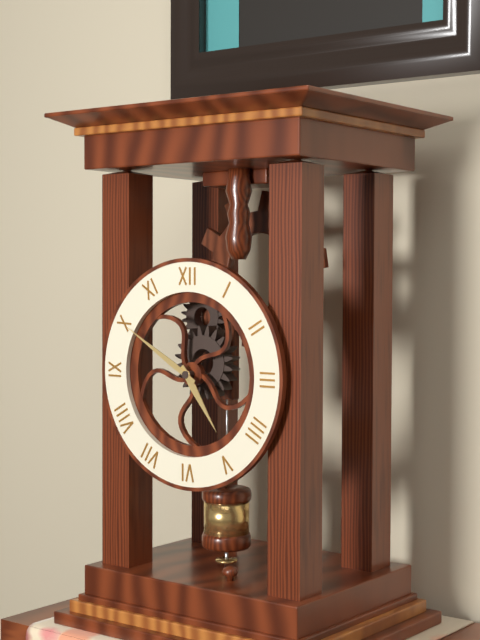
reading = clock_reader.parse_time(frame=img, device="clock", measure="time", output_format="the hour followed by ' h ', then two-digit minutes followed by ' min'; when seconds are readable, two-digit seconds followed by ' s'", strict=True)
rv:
4 h 50 min
